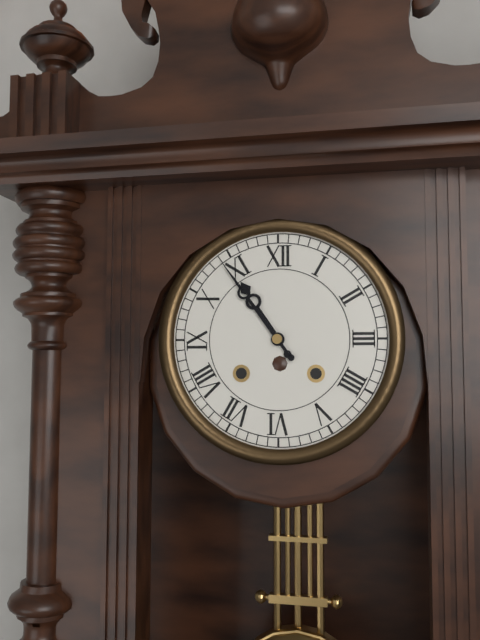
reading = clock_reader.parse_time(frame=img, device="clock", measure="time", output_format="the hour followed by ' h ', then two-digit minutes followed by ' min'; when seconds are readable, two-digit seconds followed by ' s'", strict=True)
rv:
10 h 54 min
